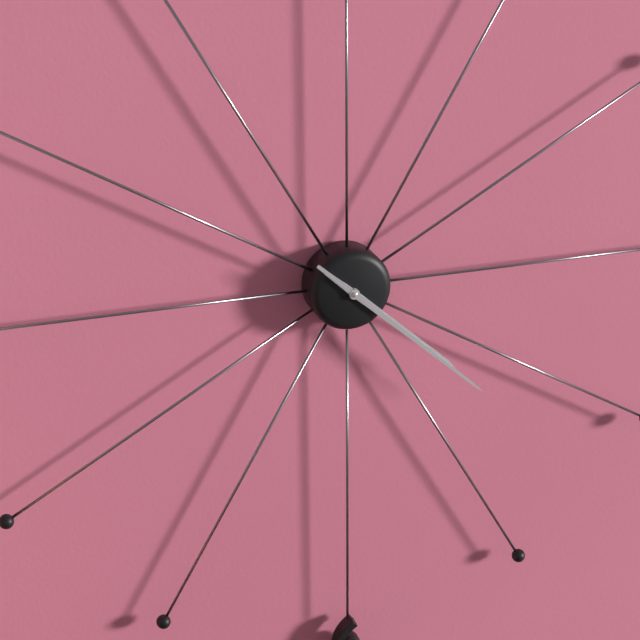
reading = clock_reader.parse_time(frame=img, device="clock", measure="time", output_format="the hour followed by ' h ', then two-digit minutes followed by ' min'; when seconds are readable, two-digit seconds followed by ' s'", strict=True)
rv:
4 h 22 min
